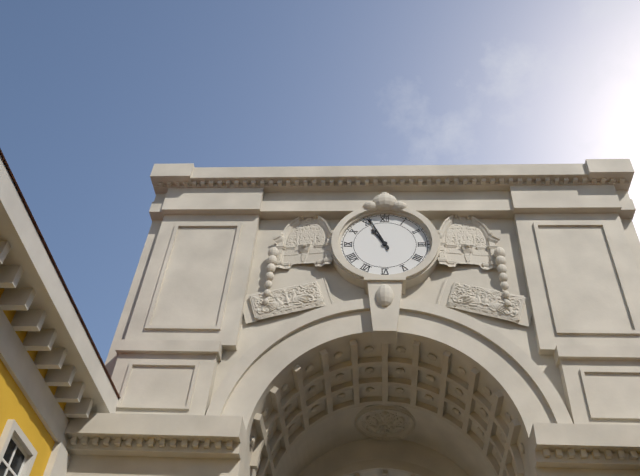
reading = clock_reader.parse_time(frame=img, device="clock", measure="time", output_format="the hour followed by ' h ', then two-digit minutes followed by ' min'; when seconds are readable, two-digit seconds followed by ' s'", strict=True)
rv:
10 h 56 min
